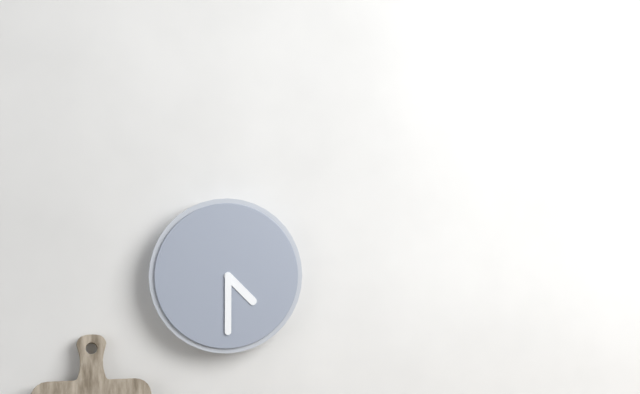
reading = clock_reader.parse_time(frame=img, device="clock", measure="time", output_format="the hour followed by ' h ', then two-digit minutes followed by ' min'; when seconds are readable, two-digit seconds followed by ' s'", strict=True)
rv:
4 h 30 min
